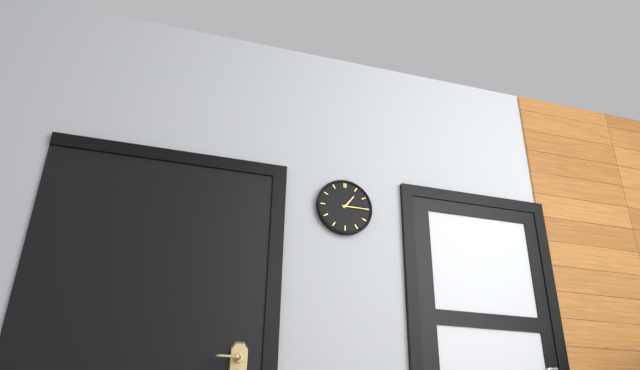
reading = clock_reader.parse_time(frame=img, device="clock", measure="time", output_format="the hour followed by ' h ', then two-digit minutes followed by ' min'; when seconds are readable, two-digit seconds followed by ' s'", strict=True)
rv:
1 h 15 min
